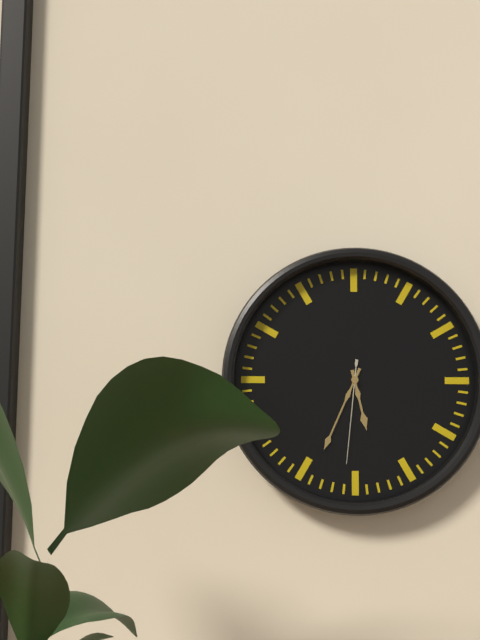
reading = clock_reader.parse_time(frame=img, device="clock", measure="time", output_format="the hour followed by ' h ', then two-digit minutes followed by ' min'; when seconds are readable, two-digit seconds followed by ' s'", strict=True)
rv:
5 h 34 min 31 s
